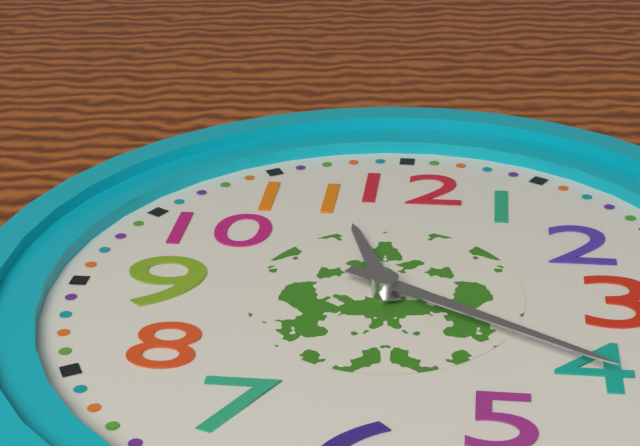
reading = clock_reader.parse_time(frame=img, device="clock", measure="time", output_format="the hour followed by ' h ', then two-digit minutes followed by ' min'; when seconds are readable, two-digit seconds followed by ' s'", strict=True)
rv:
11 h 20 min
